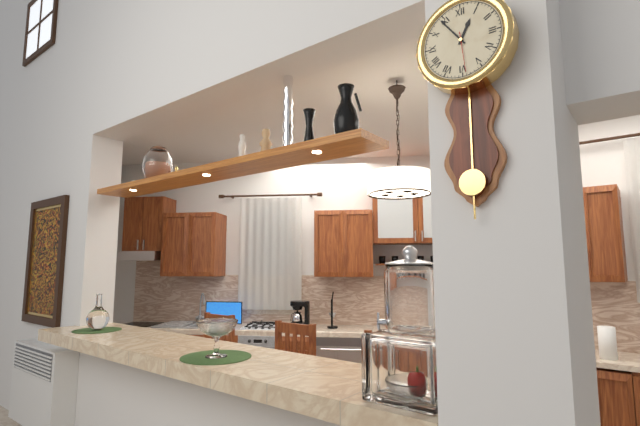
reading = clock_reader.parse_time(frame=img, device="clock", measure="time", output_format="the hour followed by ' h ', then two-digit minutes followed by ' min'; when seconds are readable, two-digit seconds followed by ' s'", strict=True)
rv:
12 h 54 min
